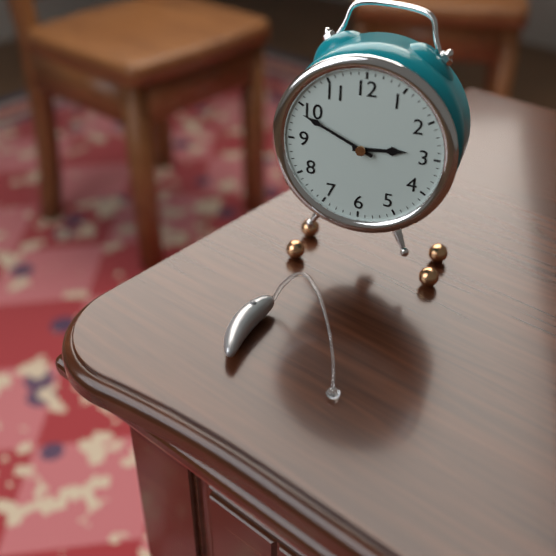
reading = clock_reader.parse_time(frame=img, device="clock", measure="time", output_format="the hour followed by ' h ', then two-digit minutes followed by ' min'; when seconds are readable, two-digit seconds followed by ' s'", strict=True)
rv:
2 h 49 min
